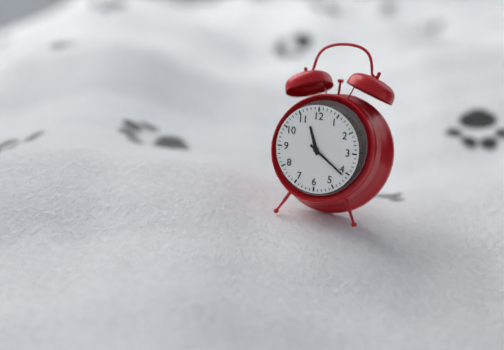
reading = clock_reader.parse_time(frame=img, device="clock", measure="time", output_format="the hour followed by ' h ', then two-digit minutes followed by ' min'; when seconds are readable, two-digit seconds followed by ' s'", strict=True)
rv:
11 h 21 min
